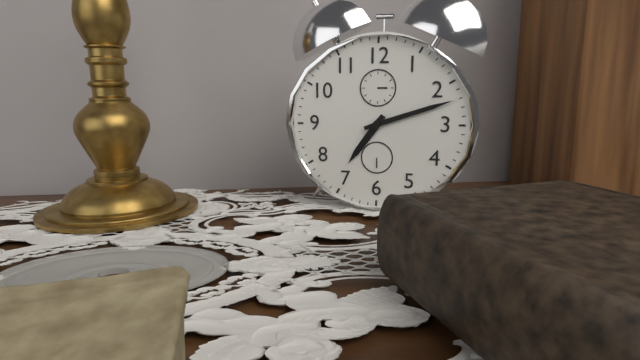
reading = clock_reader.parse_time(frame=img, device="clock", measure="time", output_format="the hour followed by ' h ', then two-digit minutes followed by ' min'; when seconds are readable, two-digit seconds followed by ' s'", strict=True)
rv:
7 h 12 min
